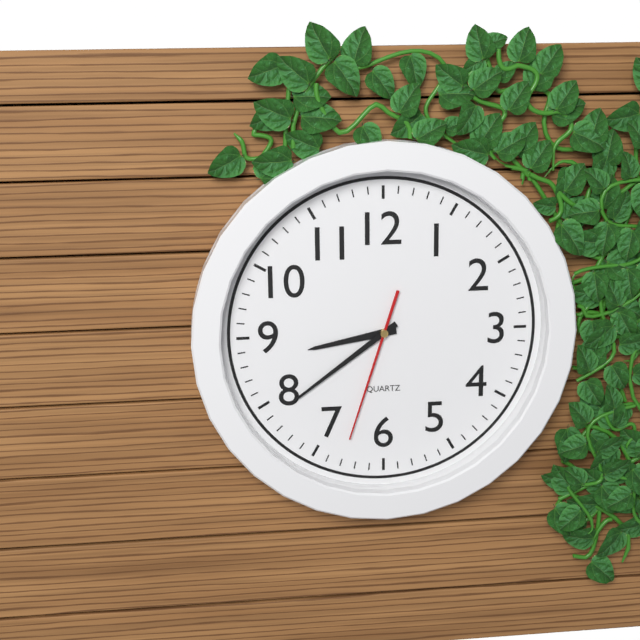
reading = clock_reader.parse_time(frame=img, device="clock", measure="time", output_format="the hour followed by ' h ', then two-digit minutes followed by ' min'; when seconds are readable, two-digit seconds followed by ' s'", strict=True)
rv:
8 h 39 min 33 s
